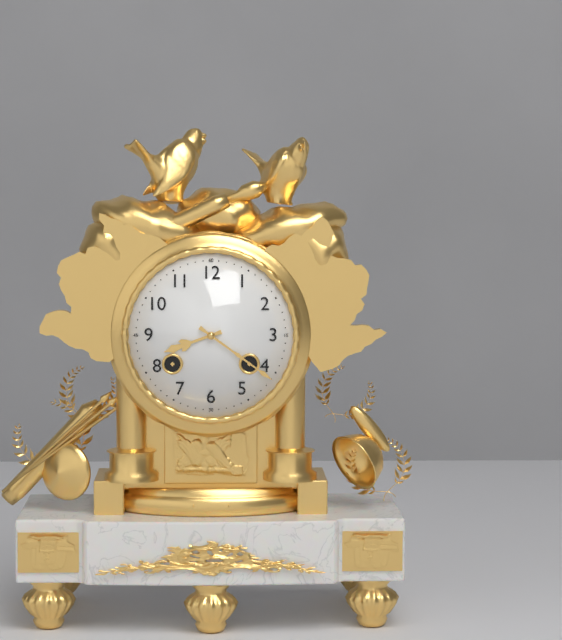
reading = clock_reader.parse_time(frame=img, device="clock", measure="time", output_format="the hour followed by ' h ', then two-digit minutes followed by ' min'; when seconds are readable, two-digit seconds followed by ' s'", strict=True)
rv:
8 h 21 min
